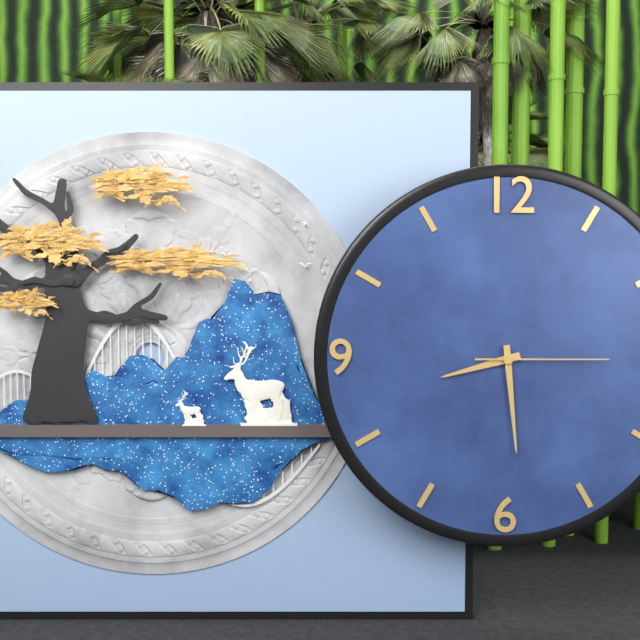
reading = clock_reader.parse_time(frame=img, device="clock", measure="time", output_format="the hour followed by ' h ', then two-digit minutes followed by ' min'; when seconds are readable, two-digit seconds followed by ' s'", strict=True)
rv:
8 h 29 min 15 s
